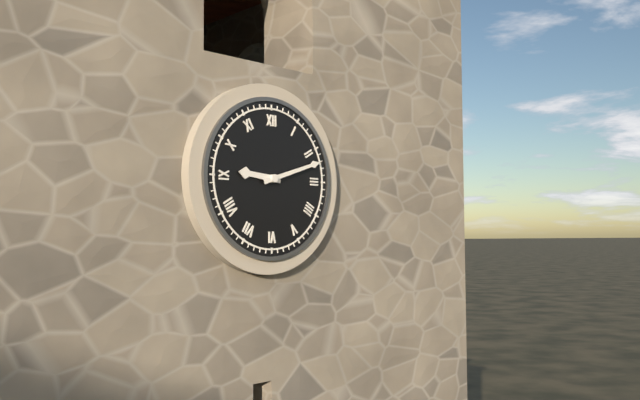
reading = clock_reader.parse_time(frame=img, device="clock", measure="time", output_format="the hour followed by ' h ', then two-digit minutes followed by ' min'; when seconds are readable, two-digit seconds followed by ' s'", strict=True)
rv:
9 h 12 min
